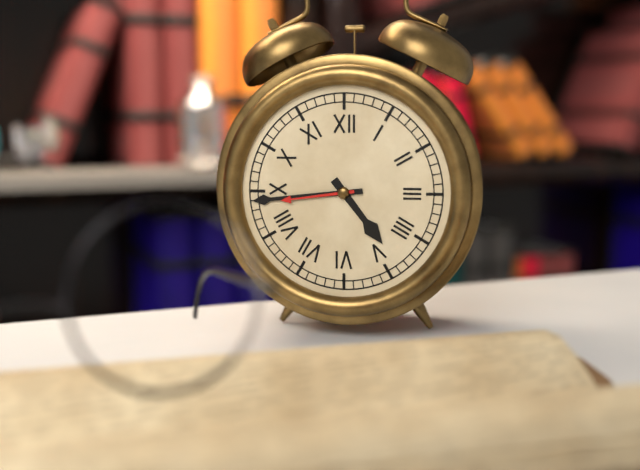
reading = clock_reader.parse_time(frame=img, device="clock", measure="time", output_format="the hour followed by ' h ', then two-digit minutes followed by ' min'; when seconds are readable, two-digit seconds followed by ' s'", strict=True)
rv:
4 h 44 min
